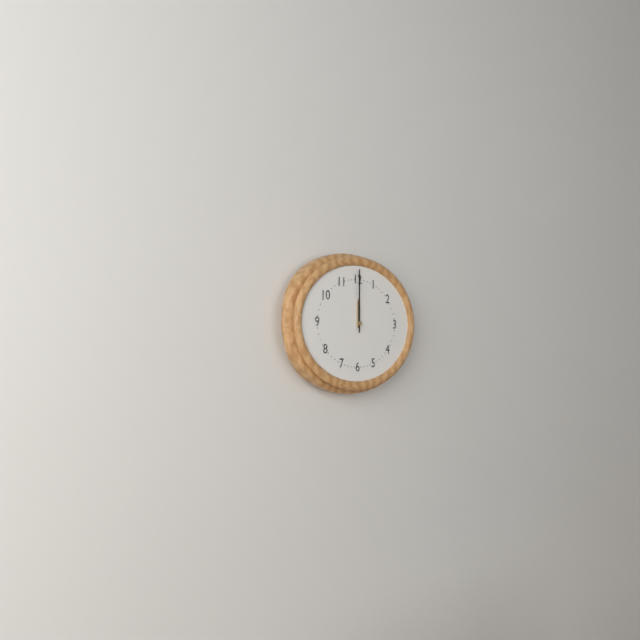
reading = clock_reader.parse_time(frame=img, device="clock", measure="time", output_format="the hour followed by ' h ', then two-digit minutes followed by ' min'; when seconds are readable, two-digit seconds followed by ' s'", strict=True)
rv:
12 h 00 min
